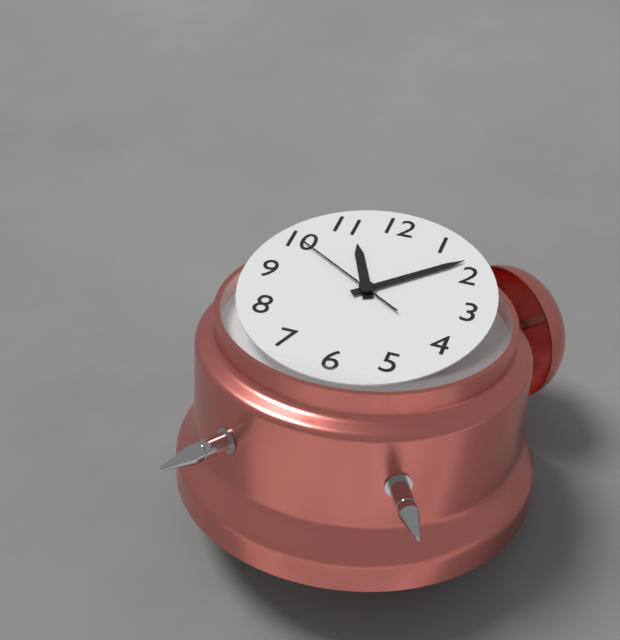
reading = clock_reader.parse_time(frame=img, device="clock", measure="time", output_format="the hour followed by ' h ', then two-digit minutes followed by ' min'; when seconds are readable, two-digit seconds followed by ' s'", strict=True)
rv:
11 h 08 min 50 s
